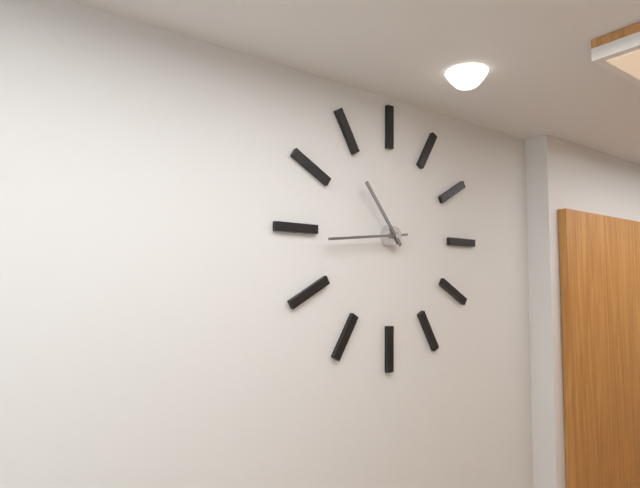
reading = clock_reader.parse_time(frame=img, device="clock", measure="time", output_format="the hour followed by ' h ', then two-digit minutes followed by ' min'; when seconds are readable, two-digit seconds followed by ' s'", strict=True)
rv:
10 h 44 min
